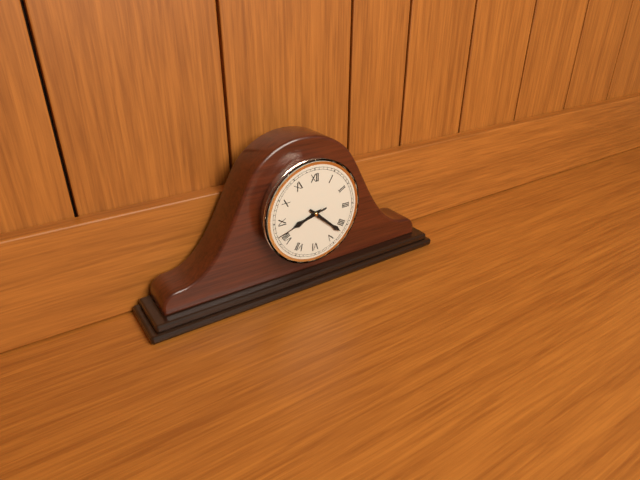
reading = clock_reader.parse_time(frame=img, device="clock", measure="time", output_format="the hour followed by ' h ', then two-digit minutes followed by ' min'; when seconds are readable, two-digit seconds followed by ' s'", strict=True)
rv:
8 h 22 min 42 s
